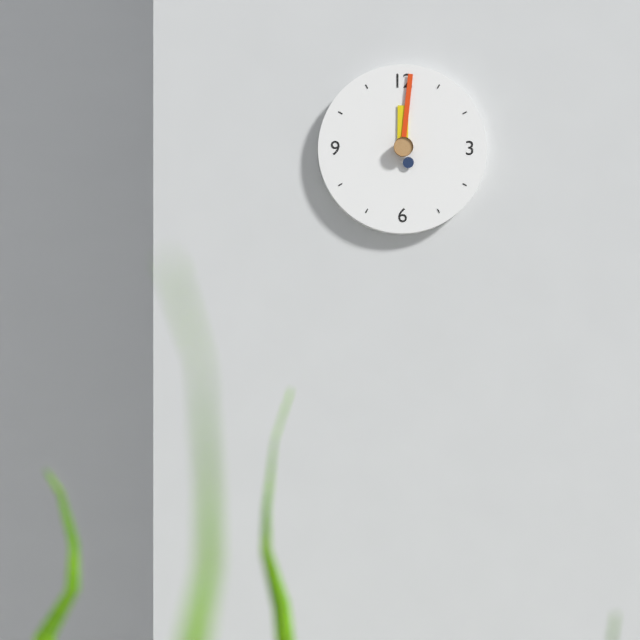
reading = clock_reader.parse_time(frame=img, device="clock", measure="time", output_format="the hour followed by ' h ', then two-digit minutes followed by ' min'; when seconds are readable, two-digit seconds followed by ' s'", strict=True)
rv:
12 h 01 min
